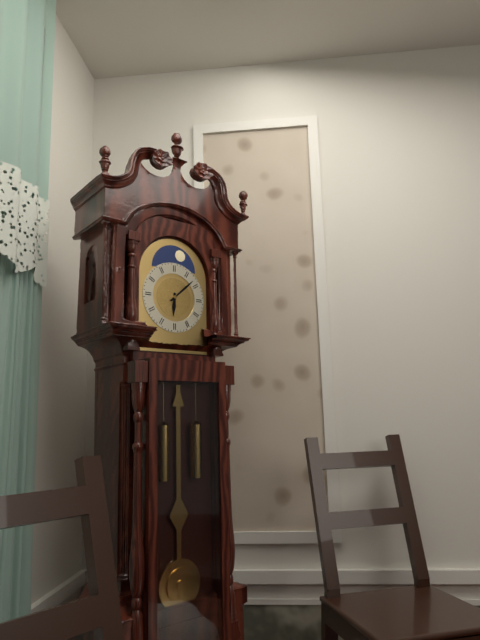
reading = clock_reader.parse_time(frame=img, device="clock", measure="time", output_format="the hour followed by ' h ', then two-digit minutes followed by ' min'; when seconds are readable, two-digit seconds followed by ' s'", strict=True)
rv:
6 h 08 min
